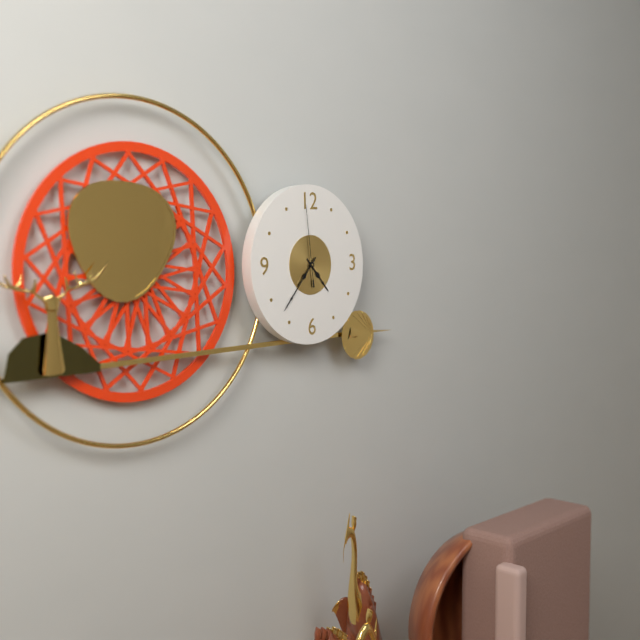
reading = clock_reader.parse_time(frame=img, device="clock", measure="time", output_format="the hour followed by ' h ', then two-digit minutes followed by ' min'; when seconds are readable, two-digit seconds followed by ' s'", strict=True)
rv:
4 h 37 min 59 s
